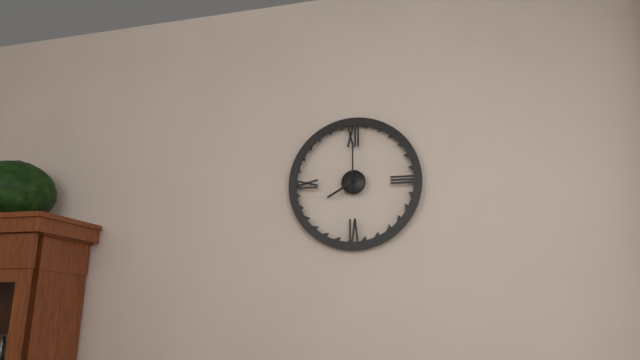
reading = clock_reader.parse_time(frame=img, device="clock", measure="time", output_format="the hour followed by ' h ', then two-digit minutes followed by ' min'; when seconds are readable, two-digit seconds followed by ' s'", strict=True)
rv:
8 h 00 min
